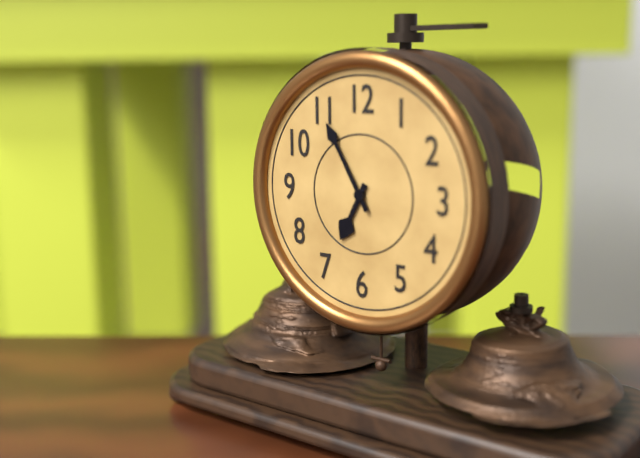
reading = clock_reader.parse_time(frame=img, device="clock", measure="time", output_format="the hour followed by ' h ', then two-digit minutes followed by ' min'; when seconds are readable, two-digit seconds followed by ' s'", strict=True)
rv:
6 h 55 min
